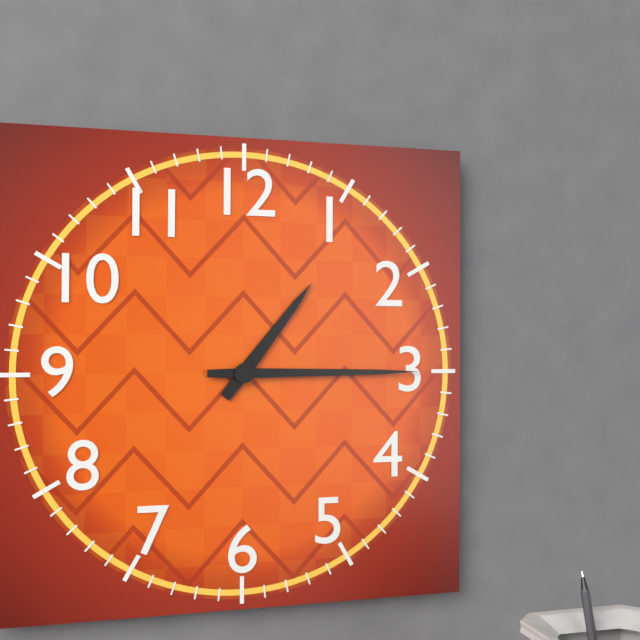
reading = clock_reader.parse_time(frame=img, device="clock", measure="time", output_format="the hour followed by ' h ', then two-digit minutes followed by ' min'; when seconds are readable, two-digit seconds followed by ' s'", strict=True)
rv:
1 h 15 min
